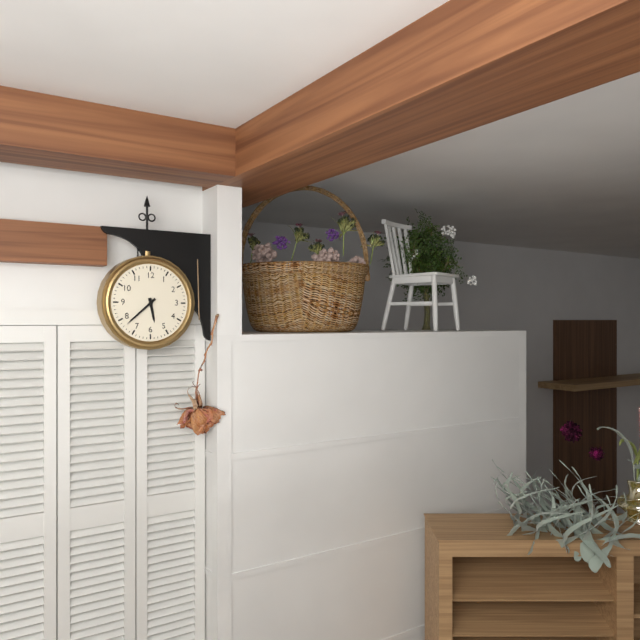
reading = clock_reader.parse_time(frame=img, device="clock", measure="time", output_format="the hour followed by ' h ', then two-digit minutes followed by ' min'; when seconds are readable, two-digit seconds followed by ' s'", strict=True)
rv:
5 h 38 min
